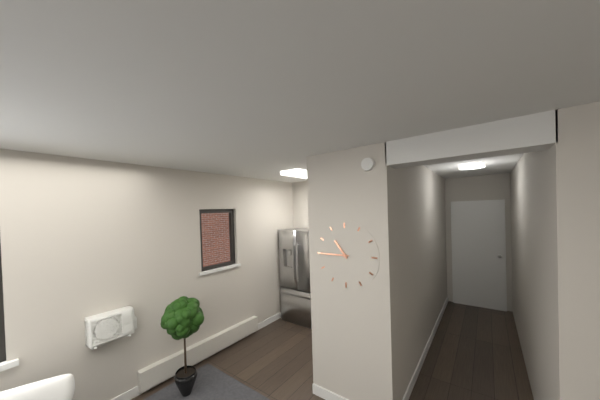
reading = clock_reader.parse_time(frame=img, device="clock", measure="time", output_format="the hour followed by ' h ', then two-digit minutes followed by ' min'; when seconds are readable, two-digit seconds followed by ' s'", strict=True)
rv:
10 h 45 min
